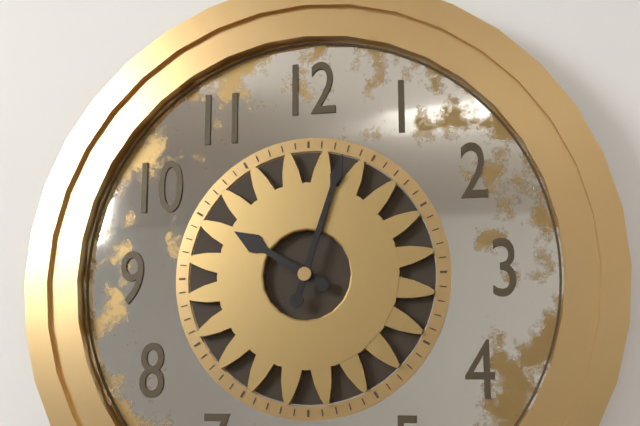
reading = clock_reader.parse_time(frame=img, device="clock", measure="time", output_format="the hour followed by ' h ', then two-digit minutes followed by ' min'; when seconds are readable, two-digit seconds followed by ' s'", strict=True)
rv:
10 h 03 min
